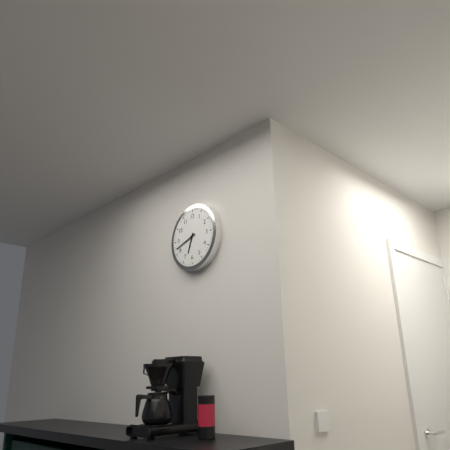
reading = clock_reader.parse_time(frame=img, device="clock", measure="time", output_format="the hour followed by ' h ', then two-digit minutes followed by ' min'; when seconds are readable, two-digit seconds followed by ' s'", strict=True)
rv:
6 h 42 min
